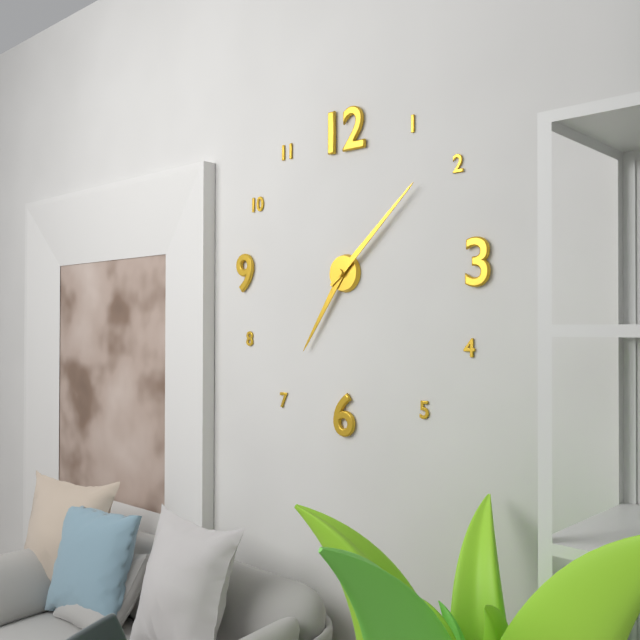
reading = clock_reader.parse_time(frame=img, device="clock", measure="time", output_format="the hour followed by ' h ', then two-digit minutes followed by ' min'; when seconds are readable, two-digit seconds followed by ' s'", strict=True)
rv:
7 h 08 min
